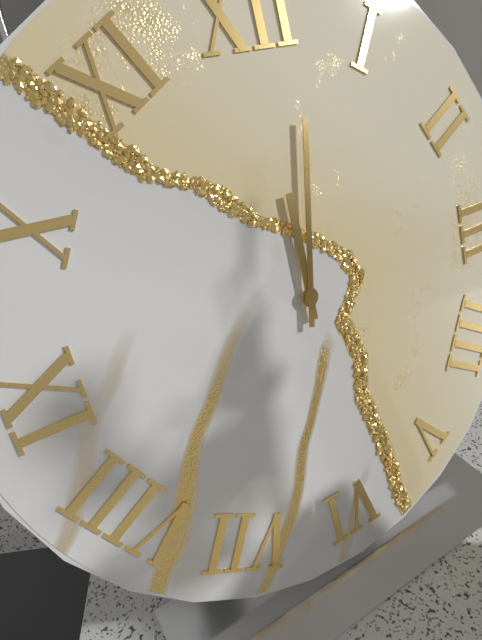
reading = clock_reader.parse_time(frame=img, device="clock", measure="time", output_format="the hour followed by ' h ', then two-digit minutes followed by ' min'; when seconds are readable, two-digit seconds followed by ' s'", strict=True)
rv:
12 h 02 min
